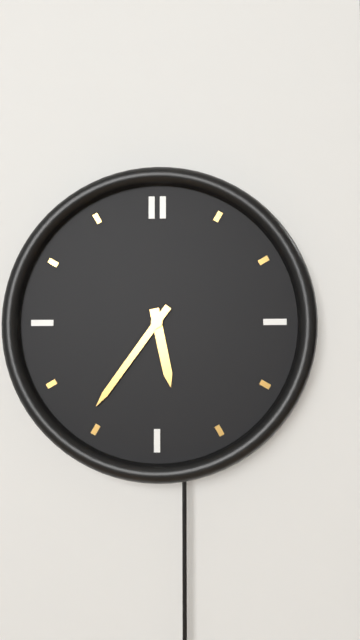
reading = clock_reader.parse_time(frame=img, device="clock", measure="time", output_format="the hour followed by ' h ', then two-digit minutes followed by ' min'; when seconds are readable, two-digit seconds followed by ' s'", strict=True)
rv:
5 h 36 min
